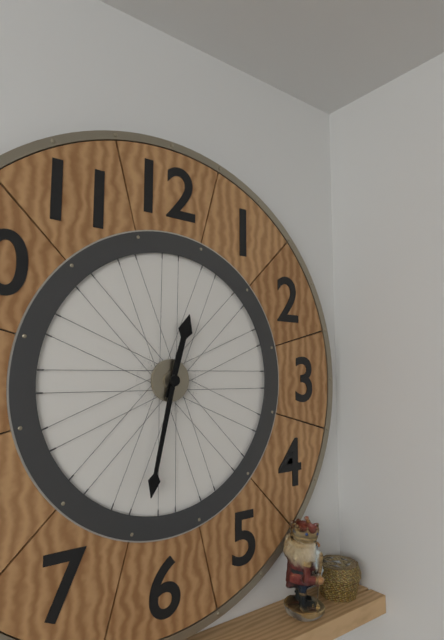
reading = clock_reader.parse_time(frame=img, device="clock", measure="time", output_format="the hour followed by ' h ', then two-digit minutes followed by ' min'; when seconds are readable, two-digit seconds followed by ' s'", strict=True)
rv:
12 h 32 min
